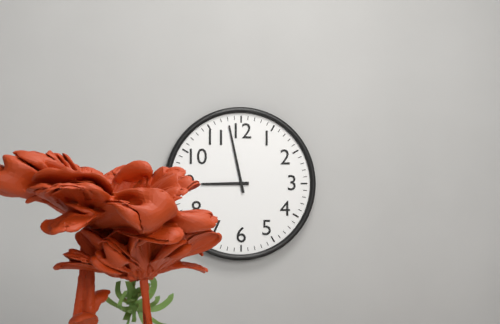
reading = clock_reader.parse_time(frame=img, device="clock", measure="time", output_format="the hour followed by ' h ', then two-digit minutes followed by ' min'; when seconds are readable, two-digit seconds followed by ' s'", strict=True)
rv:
8 h 58 min
